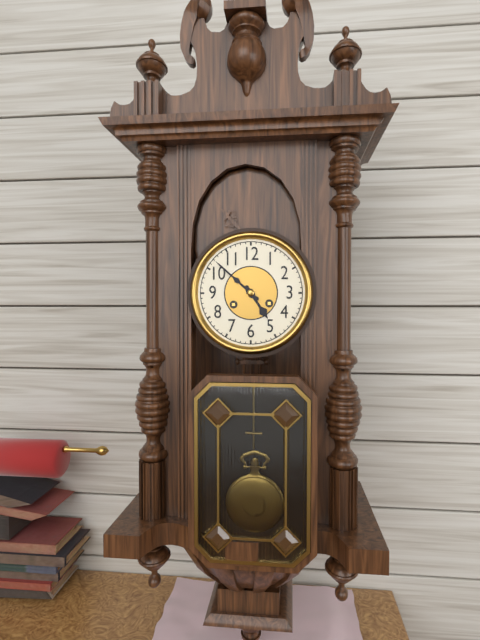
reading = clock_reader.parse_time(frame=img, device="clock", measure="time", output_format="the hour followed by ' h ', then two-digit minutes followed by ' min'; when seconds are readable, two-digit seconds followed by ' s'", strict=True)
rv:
4 h 52 min
